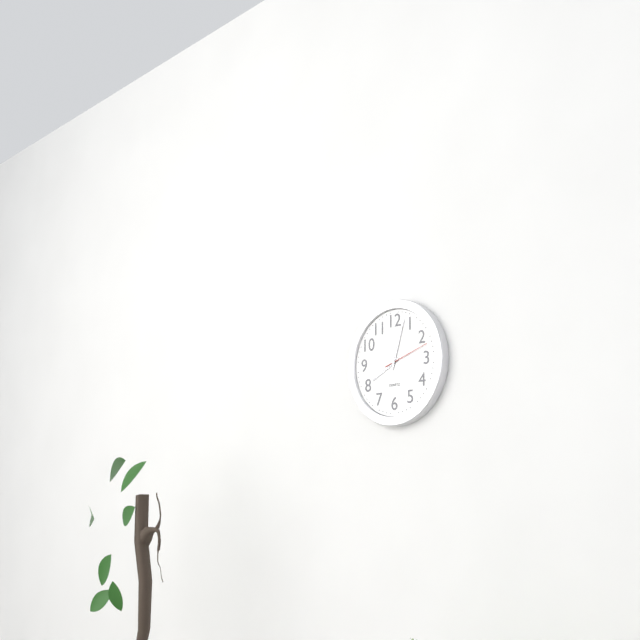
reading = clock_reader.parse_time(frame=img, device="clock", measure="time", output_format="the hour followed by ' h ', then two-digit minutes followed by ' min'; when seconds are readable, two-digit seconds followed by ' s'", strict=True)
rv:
8 h 03 min
